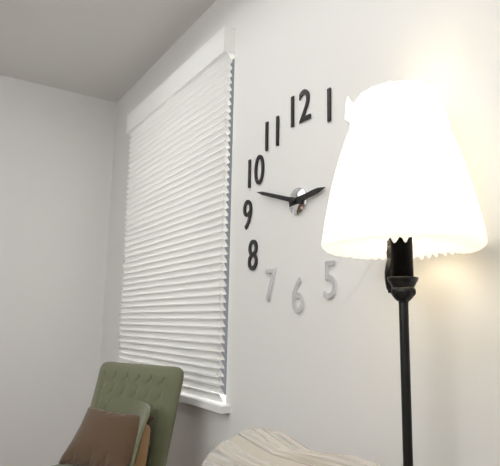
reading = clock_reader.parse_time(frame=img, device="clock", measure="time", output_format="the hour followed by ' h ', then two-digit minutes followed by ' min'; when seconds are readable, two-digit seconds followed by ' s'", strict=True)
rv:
2 h 48 min
